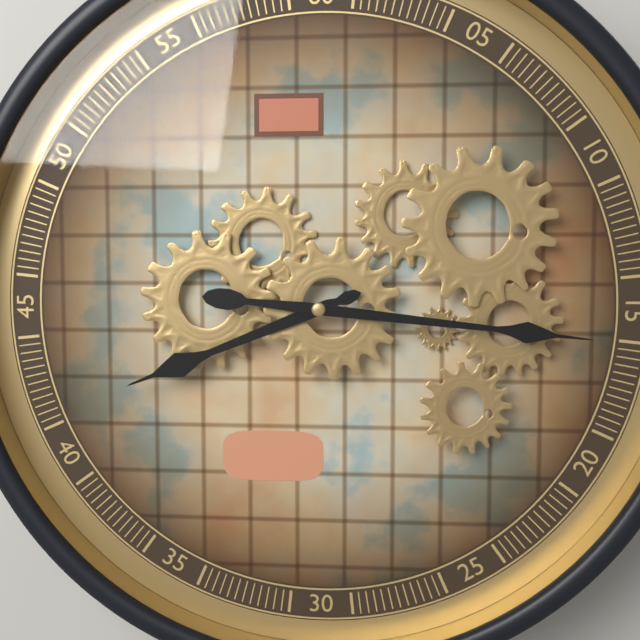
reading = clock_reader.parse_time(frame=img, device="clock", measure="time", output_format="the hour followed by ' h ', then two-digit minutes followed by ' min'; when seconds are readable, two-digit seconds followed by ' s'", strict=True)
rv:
8 h 16 min
